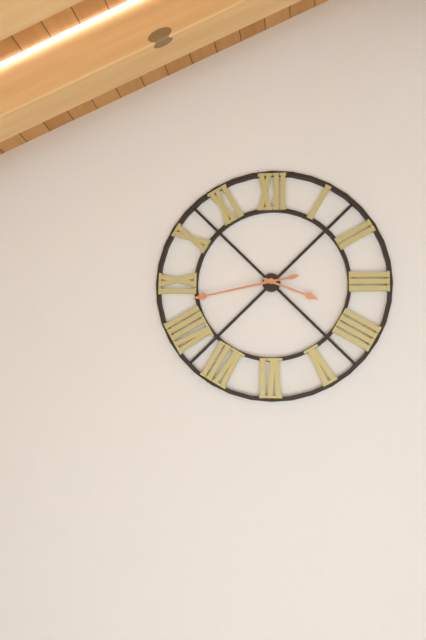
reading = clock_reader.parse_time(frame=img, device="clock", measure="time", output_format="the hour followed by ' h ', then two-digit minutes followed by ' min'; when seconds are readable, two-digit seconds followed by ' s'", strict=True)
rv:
3 h 43 min
